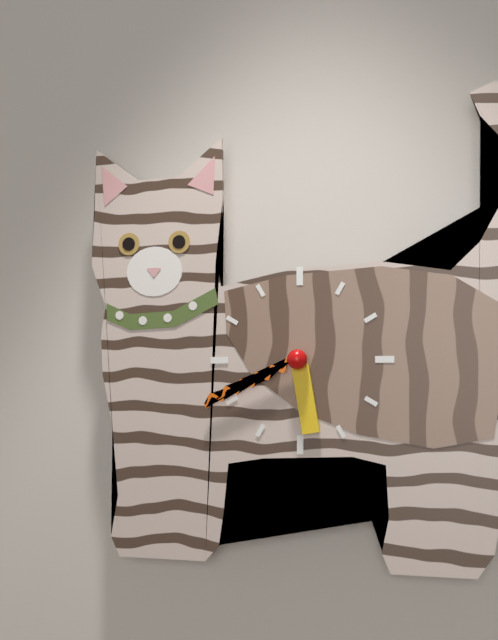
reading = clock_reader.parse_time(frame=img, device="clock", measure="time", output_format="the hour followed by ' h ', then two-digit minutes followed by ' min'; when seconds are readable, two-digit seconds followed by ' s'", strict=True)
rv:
5 h 41 min
